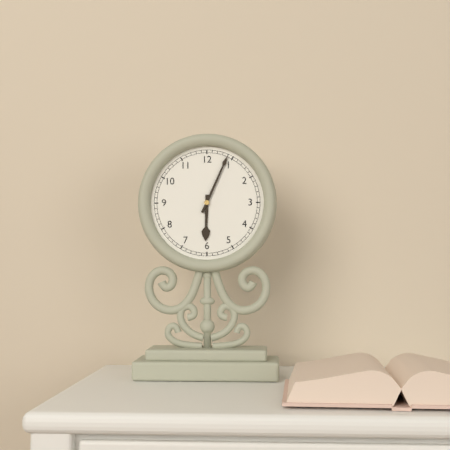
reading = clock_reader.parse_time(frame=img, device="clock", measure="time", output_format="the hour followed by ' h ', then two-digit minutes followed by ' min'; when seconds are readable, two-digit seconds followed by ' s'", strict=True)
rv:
6 h 04 min
